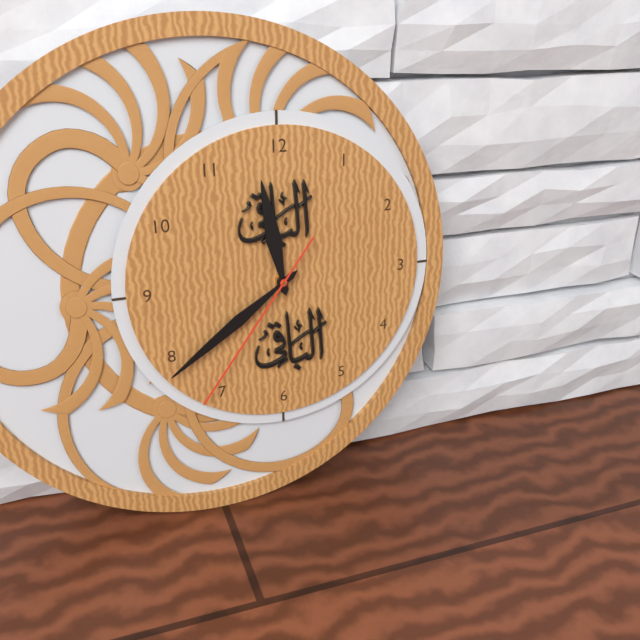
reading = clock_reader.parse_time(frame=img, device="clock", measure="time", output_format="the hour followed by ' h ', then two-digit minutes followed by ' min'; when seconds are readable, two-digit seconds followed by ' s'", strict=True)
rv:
11 h 39 min 36 s
